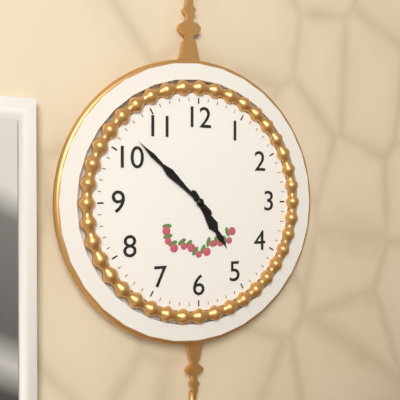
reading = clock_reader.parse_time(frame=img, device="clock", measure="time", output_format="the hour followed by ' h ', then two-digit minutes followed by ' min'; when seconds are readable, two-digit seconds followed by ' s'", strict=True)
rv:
4 h 52 min
